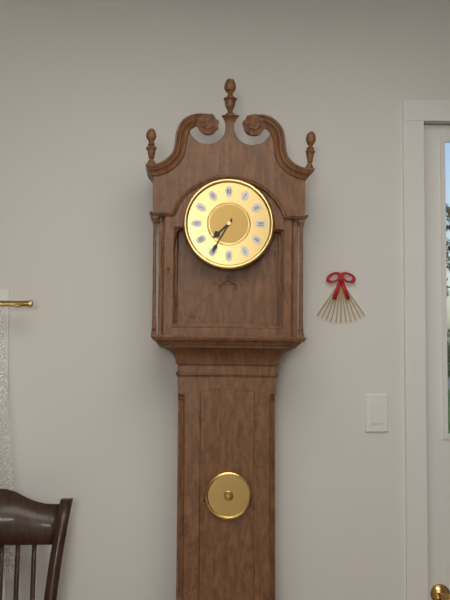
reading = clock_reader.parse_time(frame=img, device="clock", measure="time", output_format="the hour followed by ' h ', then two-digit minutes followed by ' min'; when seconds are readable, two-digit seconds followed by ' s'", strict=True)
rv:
7 h 35 min
